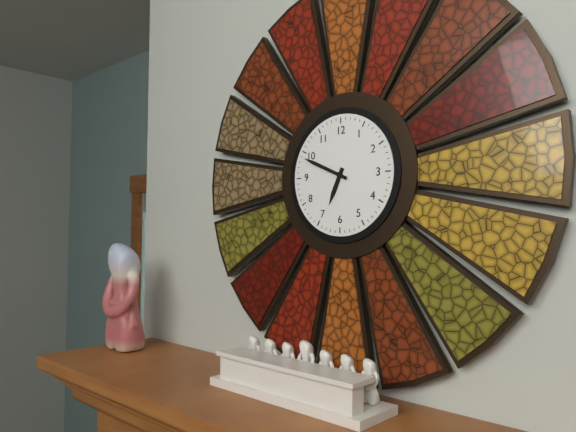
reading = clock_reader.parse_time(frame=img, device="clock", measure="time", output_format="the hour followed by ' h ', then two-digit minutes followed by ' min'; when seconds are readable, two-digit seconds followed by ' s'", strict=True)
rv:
6 h 49 min
